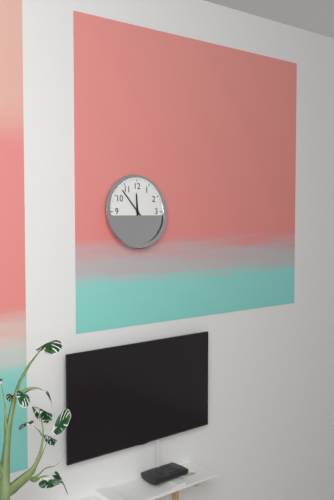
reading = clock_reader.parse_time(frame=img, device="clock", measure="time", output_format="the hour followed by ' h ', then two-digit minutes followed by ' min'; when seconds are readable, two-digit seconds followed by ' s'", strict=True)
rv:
11 h 53 min
